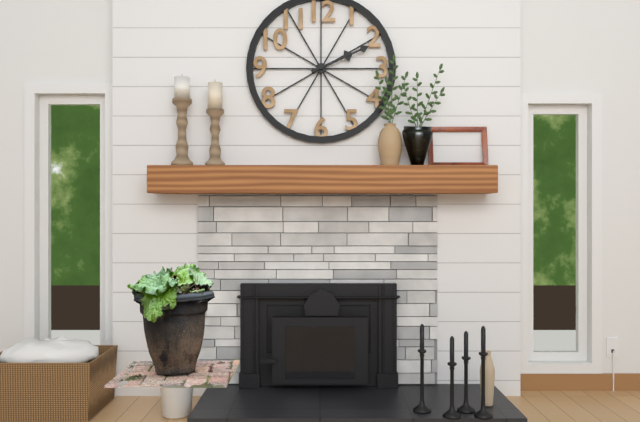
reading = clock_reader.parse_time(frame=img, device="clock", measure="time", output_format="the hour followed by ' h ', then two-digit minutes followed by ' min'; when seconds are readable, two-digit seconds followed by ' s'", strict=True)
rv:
2 h 11 min
